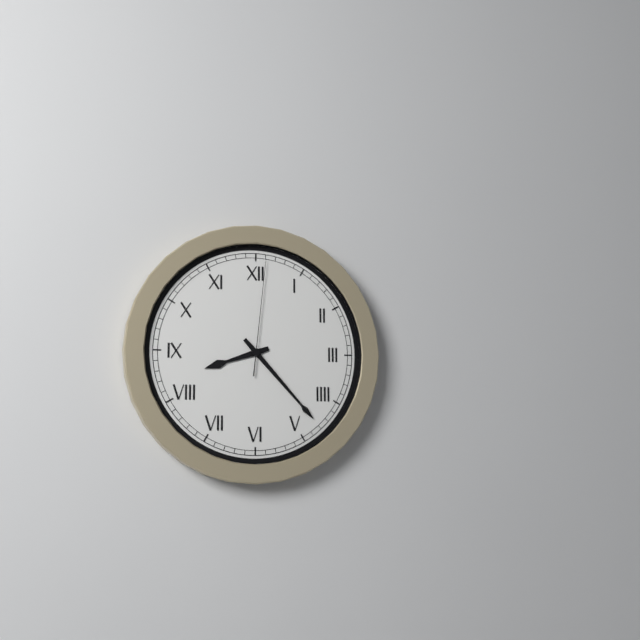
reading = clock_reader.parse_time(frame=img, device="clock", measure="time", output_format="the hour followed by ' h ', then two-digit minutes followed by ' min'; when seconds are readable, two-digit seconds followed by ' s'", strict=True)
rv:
8 h 23 min 01 s
